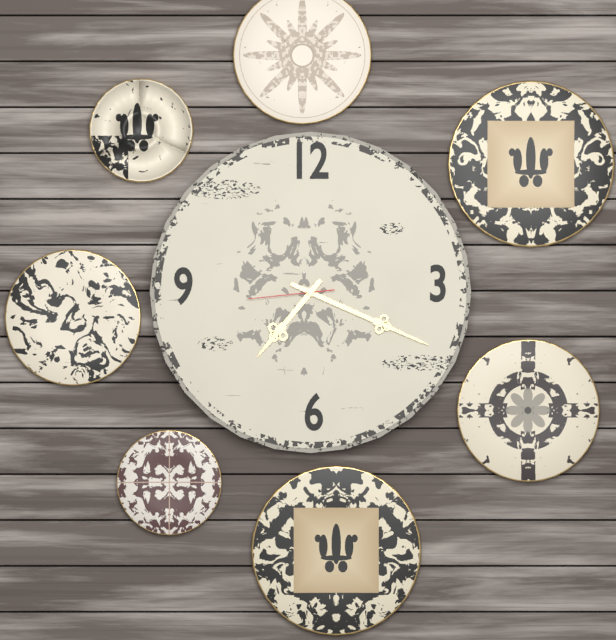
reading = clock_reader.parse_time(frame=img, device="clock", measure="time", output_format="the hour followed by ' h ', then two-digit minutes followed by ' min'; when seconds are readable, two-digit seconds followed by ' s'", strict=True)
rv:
7 h 19 min 44 s
